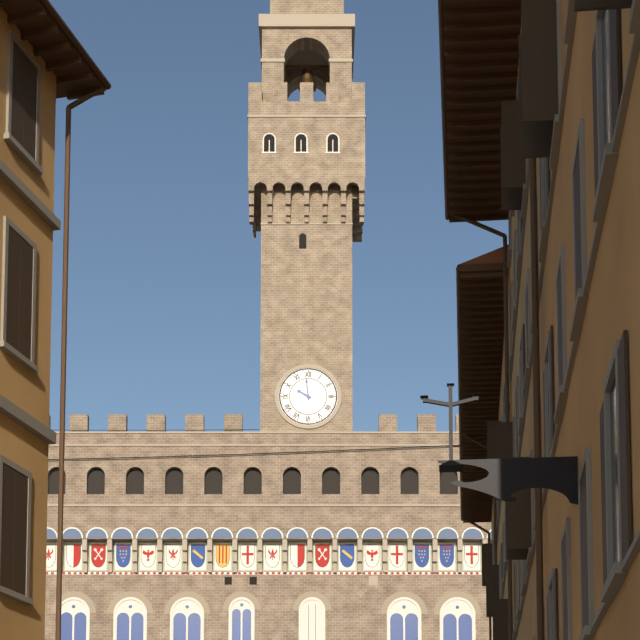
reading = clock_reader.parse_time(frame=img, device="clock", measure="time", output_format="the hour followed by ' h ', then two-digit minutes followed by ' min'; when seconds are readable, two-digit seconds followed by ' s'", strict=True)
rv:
9 h 59 min
